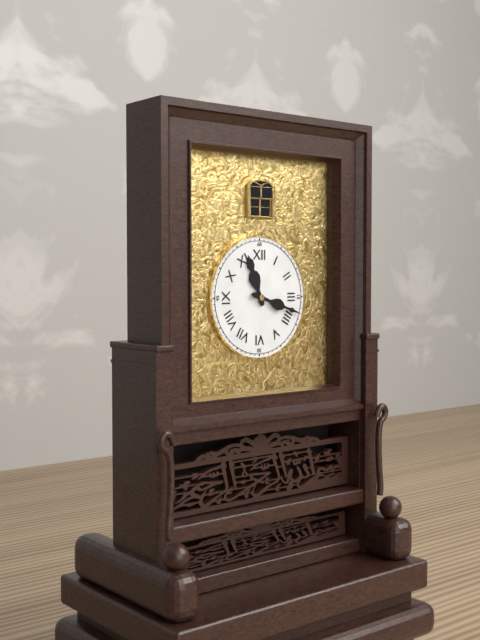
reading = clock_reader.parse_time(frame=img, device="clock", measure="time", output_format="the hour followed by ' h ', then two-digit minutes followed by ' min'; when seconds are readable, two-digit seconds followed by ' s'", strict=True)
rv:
11 h 18 min
